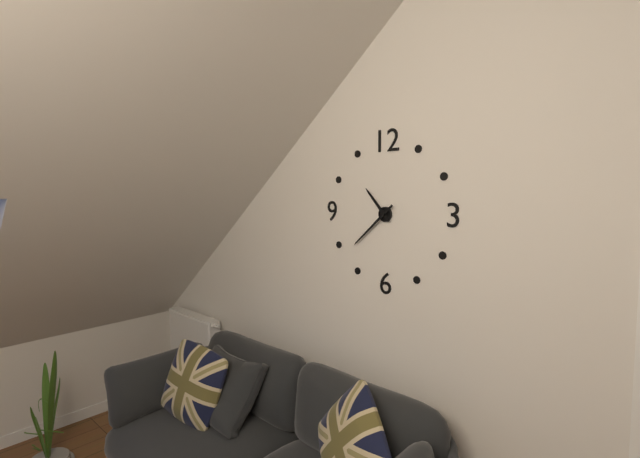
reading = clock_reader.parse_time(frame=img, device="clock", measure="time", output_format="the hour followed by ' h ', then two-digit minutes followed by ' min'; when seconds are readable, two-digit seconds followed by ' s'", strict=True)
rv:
10 h 38 min
